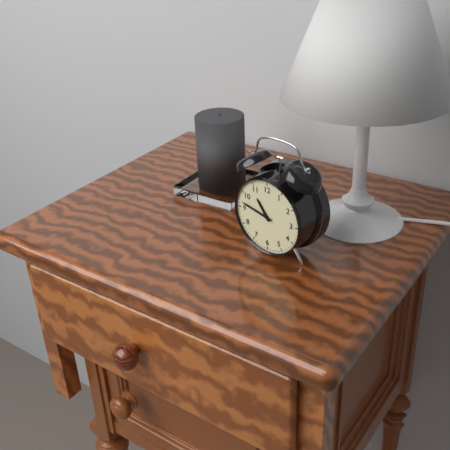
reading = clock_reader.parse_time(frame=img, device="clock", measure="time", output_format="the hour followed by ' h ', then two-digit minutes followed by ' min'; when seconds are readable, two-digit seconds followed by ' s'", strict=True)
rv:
10 h 47 min
